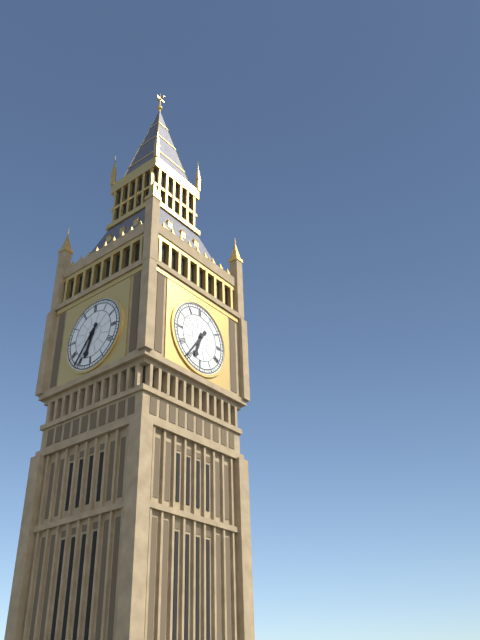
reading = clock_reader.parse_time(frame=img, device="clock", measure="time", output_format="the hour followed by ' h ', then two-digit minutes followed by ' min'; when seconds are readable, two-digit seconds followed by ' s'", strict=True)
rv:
6 h 36 min
